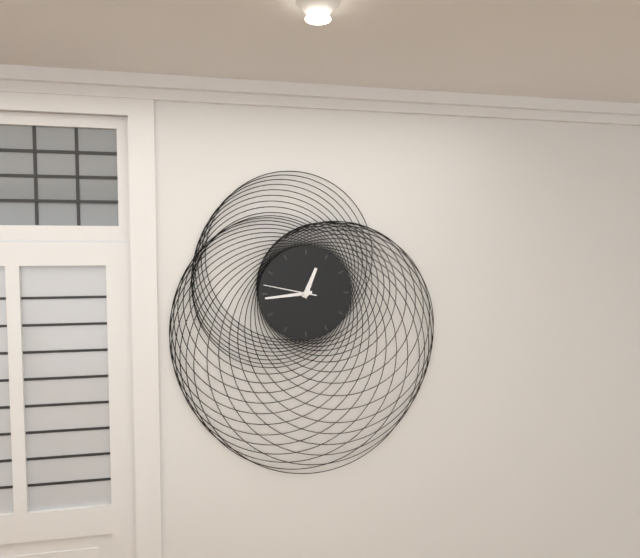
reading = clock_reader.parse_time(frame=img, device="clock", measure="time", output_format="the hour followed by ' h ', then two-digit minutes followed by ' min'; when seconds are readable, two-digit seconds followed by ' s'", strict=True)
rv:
12 h 44 min 47 s
